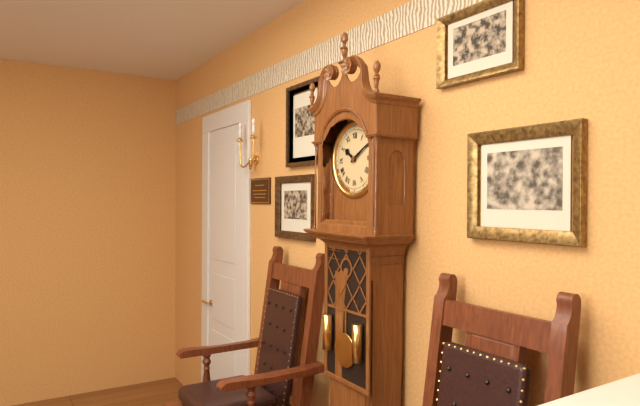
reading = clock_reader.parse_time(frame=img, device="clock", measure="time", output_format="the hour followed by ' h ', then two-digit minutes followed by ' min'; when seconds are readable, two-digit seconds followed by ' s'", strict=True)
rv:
10 h 10 min
